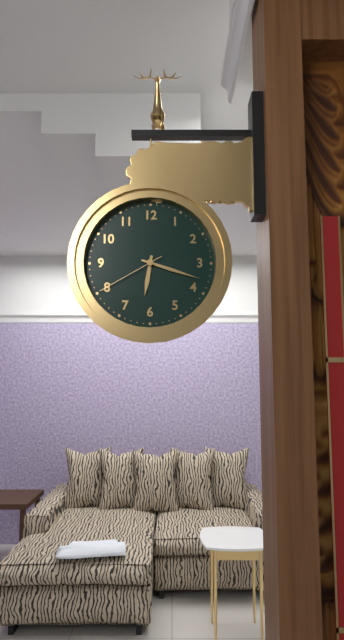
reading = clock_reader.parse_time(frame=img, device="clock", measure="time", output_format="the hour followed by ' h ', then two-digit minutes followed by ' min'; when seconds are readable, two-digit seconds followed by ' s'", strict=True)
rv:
6 h 18 min 40 s
